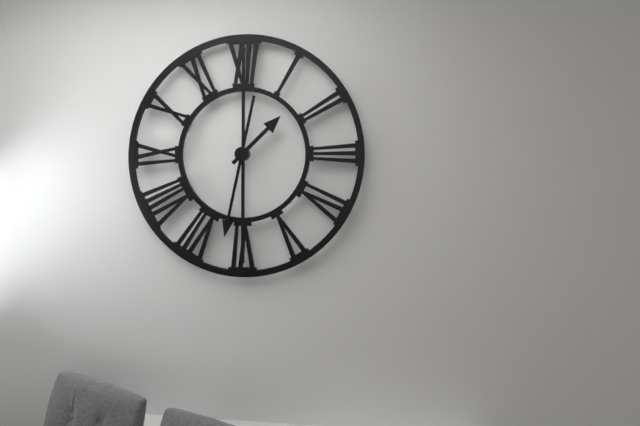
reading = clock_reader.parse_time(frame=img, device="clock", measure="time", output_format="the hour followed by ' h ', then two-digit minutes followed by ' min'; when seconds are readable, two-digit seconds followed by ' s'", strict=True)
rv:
1 h 32 min
